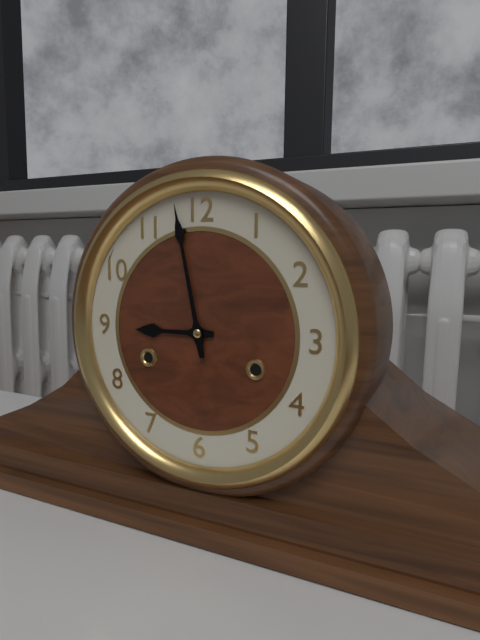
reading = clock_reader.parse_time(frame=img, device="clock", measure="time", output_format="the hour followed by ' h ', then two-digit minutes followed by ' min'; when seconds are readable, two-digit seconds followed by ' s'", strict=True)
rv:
8 h 58 min
